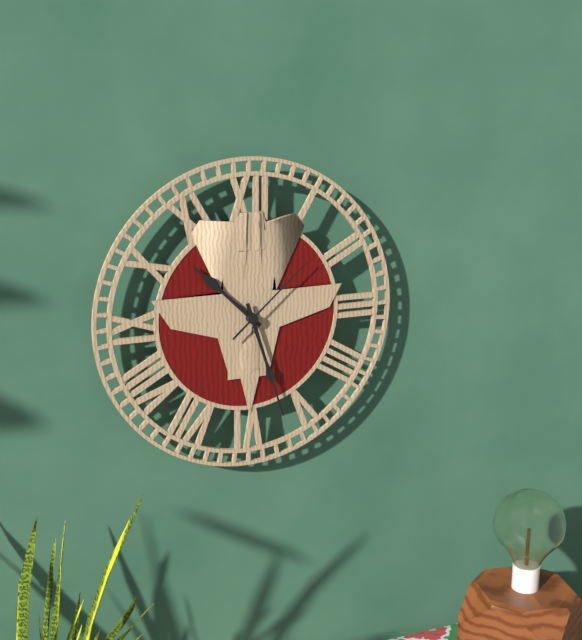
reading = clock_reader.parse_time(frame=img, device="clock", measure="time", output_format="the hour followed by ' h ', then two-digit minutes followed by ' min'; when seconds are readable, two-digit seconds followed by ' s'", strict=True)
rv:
10 h 27 min 08 s
